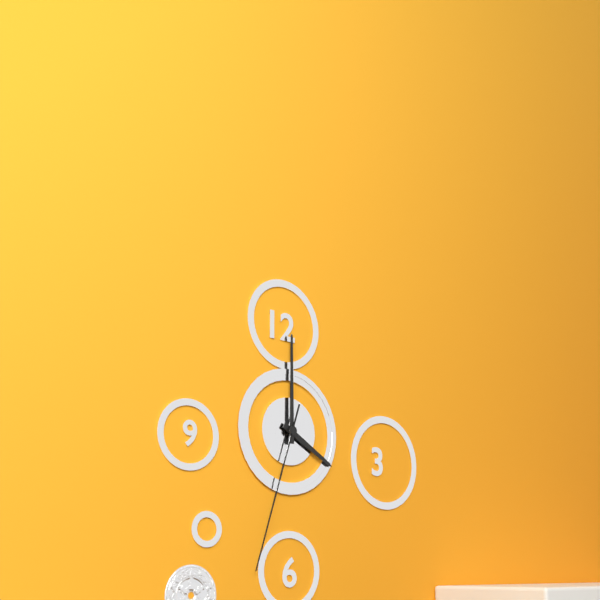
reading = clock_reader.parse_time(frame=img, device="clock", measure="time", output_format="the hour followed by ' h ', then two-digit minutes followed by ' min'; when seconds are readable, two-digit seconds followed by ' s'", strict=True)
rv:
4 h 00 min 33 s
